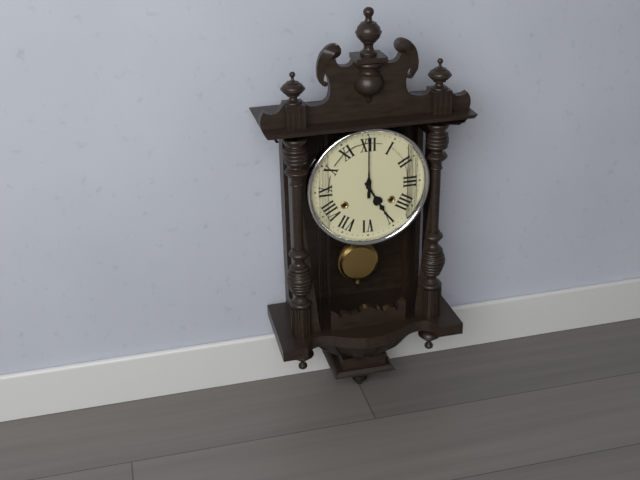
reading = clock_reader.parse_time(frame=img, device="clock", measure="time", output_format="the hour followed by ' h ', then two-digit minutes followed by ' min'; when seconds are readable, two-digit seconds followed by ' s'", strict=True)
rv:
5 h 00 min
